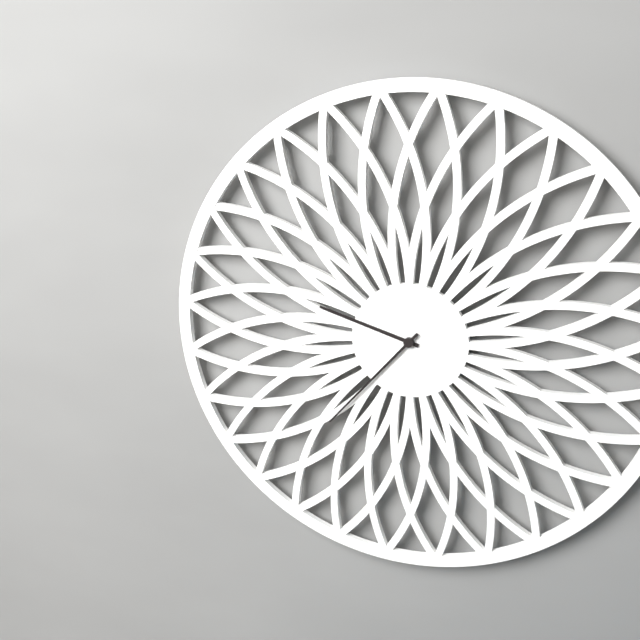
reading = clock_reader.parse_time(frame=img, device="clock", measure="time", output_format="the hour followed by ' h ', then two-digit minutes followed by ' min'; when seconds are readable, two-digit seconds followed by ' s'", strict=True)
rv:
9 h 37 min
